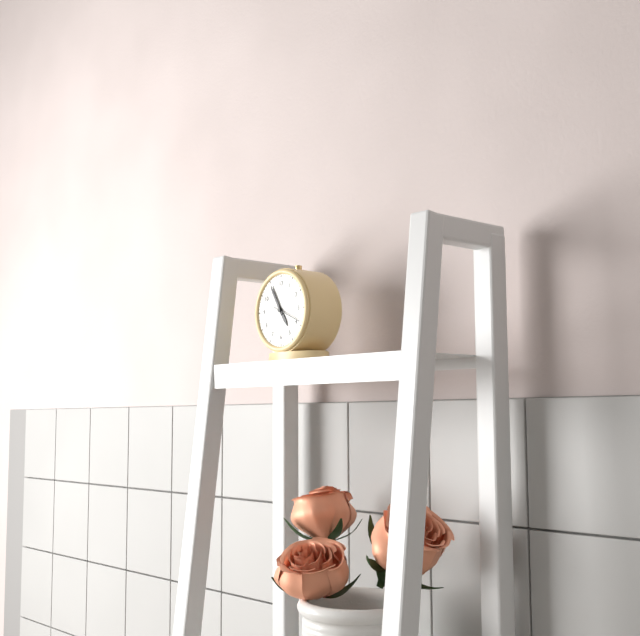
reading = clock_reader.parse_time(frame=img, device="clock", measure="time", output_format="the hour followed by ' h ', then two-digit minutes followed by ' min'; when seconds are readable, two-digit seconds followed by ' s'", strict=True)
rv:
4 h 55 min
